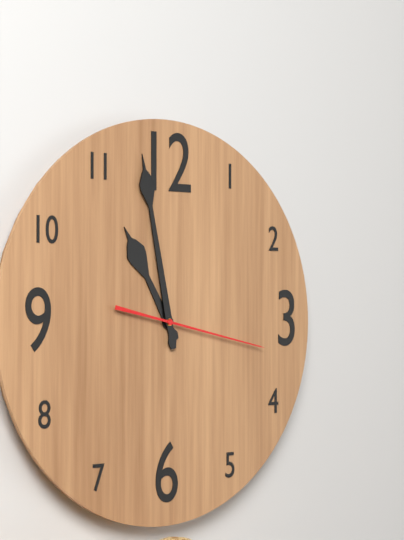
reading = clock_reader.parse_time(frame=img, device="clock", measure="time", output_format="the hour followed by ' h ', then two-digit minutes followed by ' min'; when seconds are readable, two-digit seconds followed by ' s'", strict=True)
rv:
10 h 58 min 17 s
